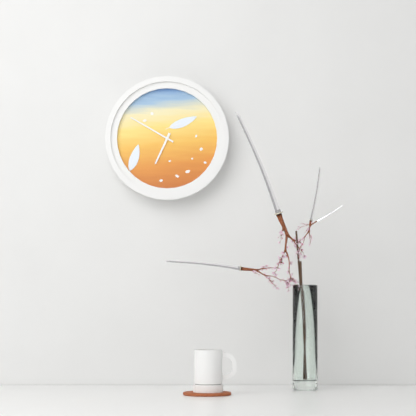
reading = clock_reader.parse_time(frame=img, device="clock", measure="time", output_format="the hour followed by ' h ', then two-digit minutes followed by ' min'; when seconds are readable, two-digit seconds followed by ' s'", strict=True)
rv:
6 h 50 min
